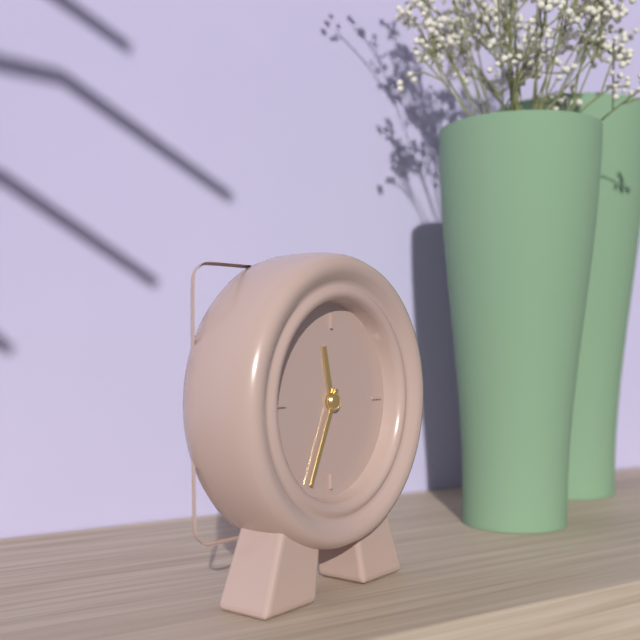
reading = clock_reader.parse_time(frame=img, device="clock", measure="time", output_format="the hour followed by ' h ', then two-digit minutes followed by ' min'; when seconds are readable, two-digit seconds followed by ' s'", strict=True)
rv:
11 h 34 min
